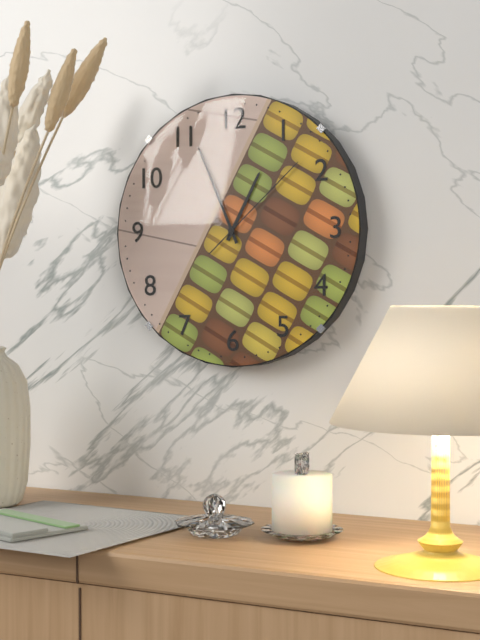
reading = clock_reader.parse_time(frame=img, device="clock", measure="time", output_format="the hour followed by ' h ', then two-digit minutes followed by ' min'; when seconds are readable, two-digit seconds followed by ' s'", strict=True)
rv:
12 h 56 min 08 s
